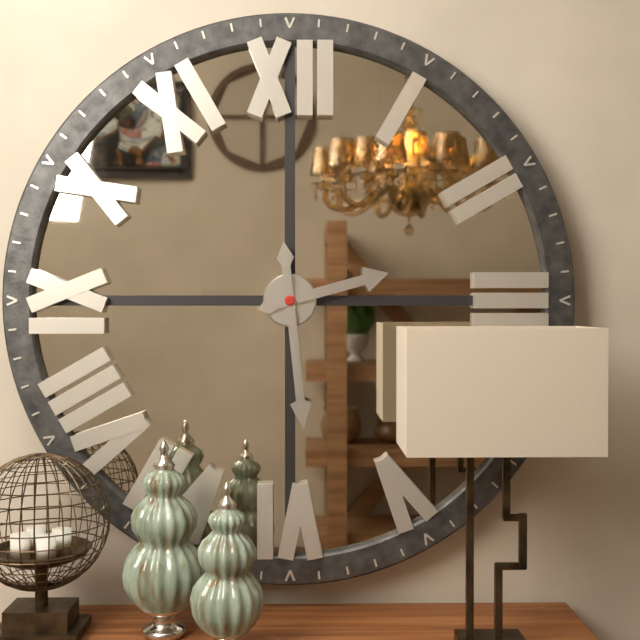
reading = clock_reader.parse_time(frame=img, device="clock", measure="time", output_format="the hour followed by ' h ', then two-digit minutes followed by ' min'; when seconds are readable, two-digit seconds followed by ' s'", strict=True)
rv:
2 h 29 min
